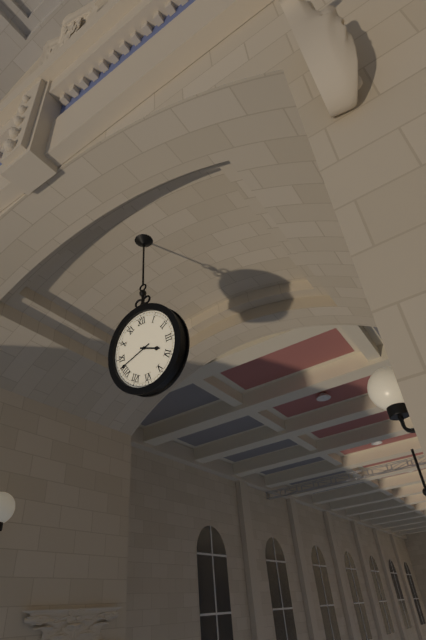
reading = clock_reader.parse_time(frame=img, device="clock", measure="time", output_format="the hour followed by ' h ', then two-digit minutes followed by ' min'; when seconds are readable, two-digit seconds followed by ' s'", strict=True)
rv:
3 h 42 min
